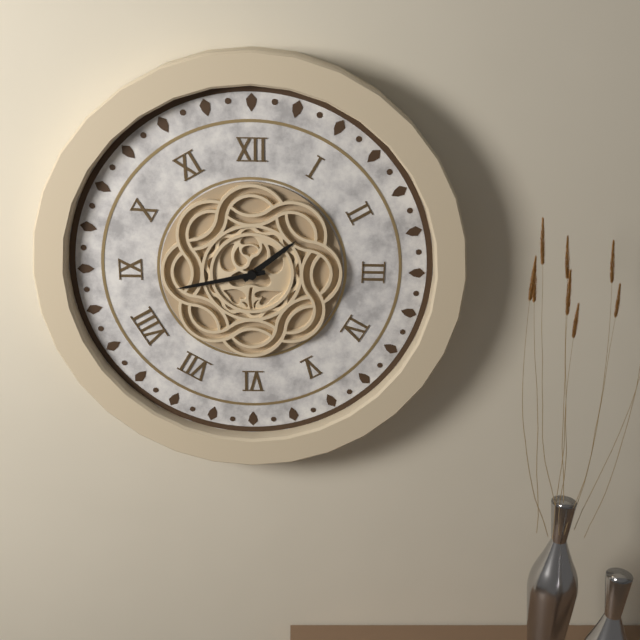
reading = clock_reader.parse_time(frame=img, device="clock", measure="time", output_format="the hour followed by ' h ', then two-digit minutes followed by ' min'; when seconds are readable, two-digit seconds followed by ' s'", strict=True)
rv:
1 h 43 min
